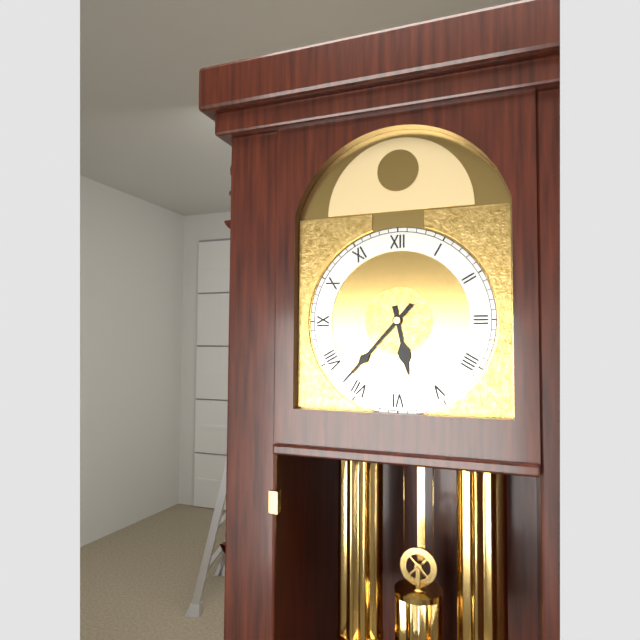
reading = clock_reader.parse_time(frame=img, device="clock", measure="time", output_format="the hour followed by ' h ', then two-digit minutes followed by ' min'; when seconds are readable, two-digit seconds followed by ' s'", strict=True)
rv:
5 h 37 min
